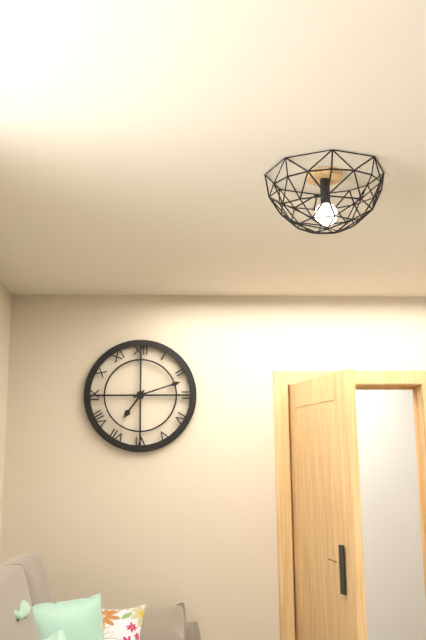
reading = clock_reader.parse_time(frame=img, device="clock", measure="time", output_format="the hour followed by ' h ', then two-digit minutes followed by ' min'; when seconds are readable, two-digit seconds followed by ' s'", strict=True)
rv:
7 h 12 min
